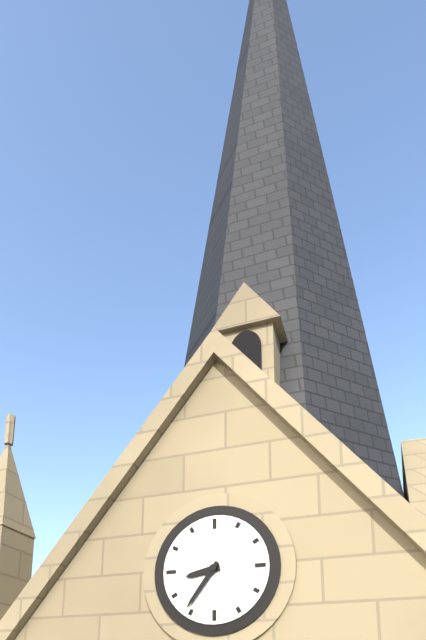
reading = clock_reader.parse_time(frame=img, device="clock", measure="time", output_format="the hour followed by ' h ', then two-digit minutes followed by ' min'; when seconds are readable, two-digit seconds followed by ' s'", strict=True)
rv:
8 h 36 min
